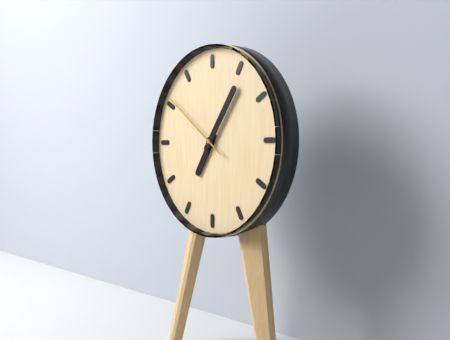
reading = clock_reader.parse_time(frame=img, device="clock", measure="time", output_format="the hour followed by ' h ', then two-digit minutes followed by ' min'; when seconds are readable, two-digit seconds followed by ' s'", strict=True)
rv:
7 h 06 min 51 s
